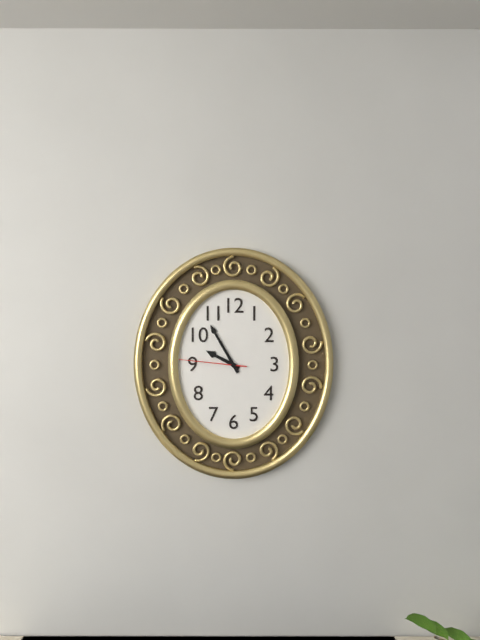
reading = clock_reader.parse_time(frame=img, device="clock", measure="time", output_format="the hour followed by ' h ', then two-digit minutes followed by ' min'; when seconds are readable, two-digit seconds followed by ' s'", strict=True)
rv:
9 h 55 min 46 s
